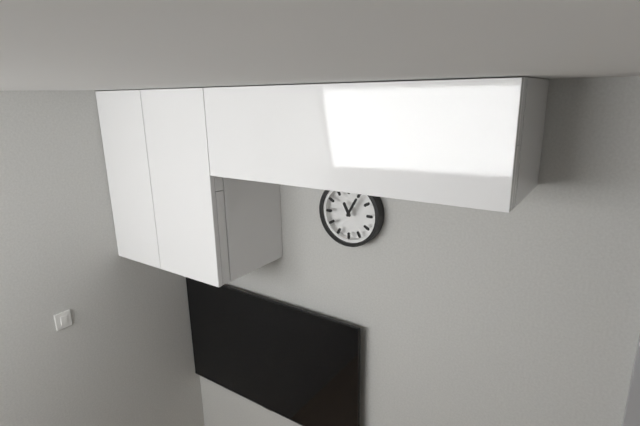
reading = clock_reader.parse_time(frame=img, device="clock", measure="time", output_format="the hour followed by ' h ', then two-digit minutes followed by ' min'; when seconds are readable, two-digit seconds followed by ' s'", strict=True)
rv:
11 h 05 min
